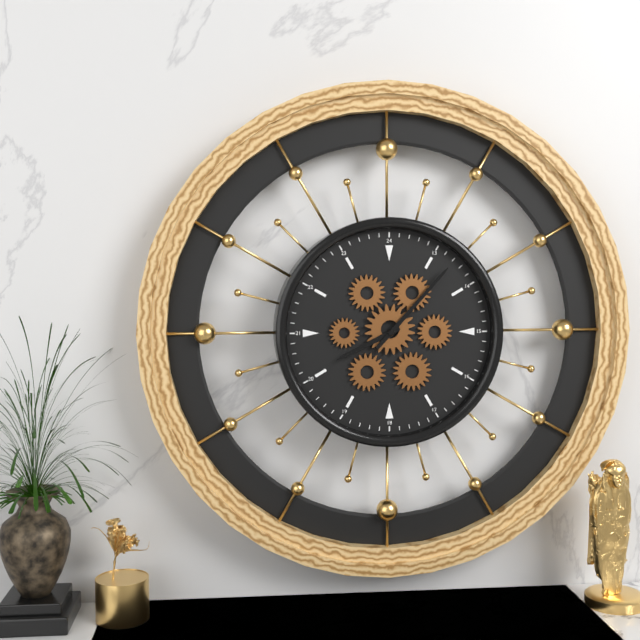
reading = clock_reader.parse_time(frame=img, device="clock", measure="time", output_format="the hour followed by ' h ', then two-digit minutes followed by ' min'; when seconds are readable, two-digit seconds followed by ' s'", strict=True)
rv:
8 h 07 min
